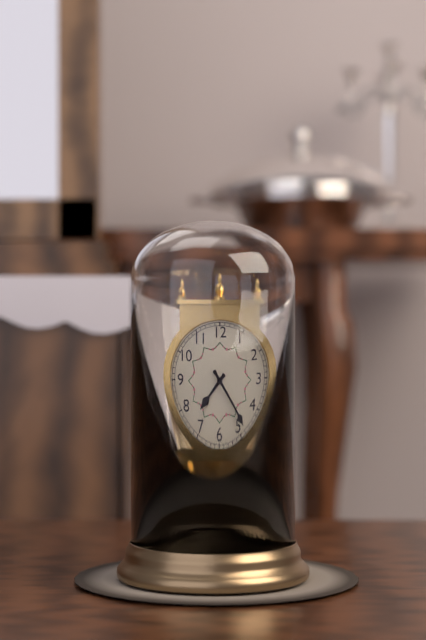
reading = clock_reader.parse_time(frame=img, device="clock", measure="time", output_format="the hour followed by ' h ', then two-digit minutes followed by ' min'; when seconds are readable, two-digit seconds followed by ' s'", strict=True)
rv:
7 h 24 min
